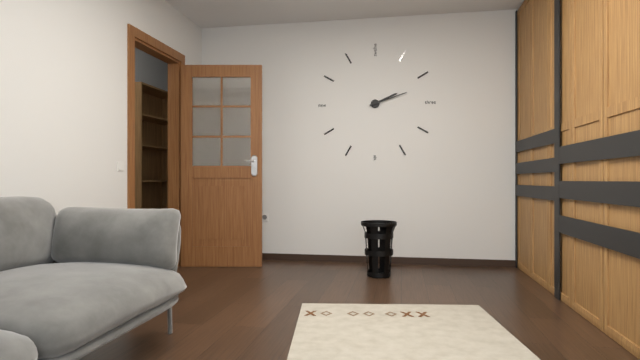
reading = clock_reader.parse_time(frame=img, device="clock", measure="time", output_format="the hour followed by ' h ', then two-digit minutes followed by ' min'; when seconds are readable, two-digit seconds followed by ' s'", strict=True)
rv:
2 h 12 min
